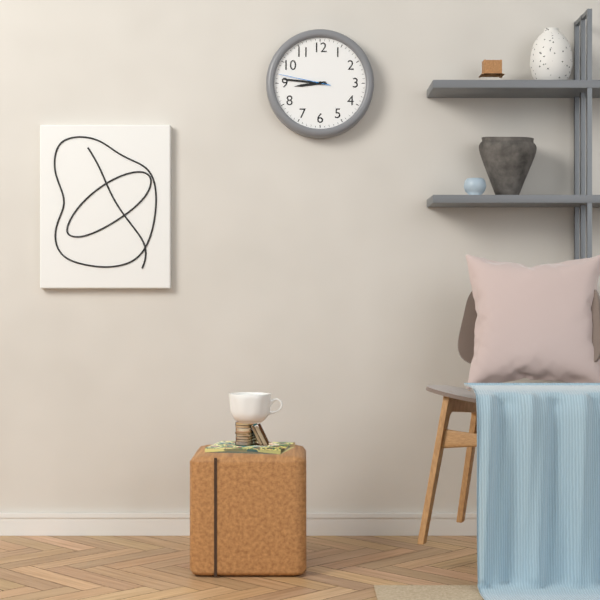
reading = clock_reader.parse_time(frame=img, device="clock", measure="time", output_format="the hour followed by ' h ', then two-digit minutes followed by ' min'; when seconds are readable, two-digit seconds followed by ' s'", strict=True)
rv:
8 h 46 min 47 s
